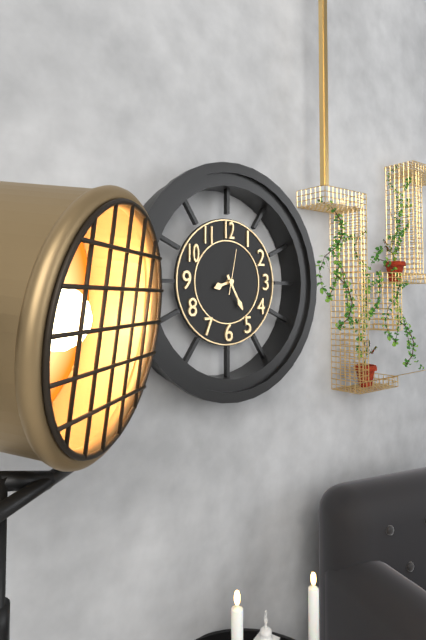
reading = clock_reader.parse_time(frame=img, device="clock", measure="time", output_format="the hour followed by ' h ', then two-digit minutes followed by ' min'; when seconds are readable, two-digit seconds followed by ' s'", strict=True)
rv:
8 h 25 min
